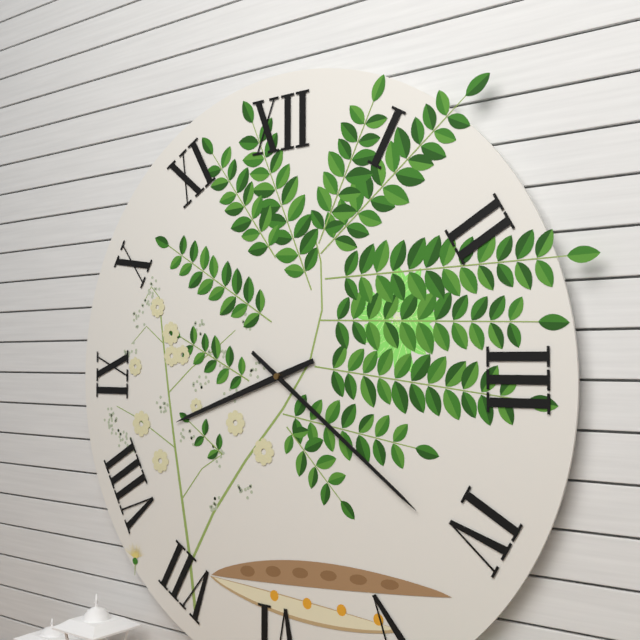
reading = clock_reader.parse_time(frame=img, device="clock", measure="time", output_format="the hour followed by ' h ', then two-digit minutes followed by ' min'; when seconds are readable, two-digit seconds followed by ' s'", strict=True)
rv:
8 h 21 min
